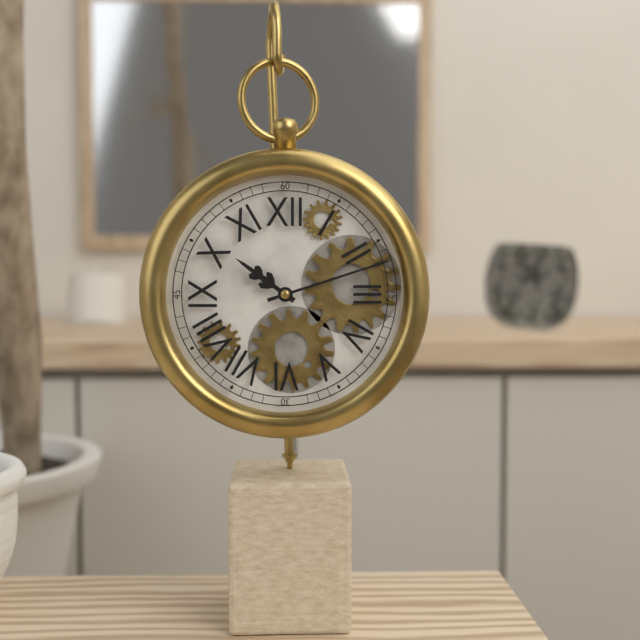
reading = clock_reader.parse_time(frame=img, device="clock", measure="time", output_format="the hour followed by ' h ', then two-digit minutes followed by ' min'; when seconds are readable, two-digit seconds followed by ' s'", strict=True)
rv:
10 h 12 min
